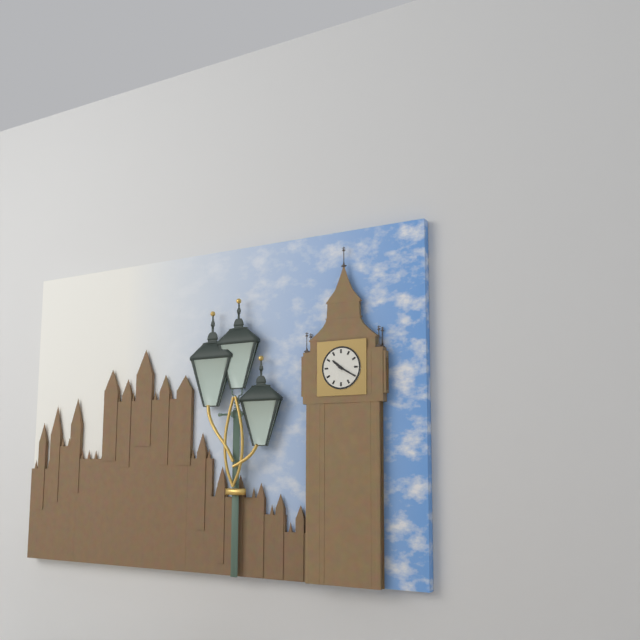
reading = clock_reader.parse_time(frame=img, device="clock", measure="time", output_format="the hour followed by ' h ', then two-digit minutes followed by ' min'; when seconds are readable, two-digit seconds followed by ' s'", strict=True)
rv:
10 h 20 min
